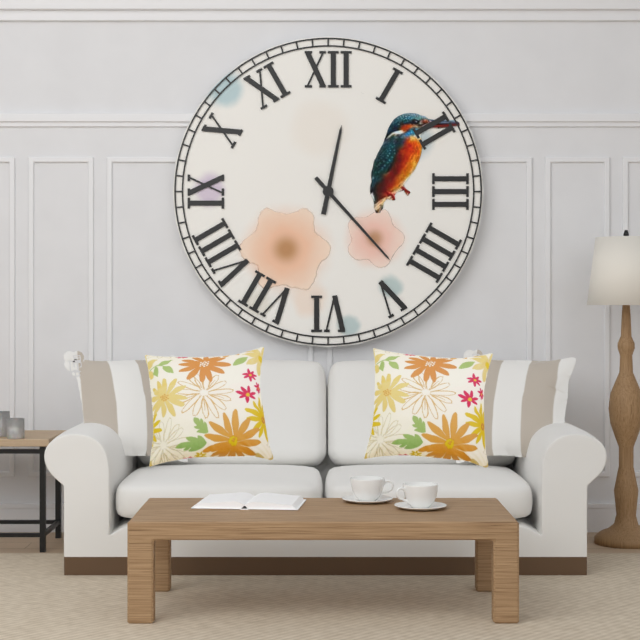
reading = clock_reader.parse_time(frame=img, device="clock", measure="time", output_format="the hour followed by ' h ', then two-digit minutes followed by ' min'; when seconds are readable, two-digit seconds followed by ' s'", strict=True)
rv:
12 h 23 min
